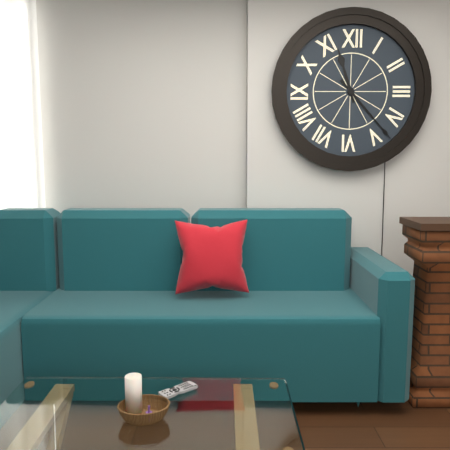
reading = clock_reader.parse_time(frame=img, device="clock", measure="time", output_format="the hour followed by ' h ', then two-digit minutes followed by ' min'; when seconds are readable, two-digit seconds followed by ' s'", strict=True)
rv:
11 h 23 min
